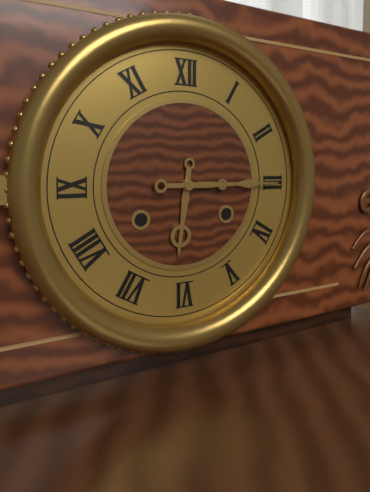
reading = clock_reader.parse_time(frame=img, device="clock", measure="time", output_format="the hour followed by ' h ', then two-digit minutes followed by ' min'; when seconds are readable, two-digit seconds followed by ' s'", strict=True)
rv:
6 h 15 min
